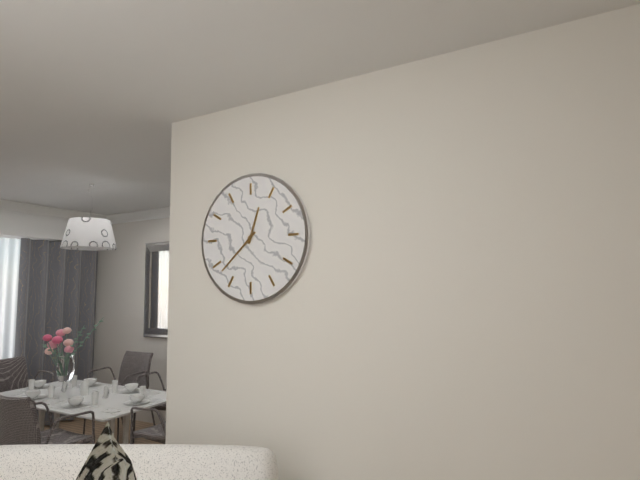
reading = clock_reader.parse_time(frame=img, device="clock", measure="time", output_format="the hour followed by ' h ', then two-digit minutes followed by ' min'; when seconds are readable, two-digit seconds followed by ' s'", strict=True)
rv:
12 h 38 min
